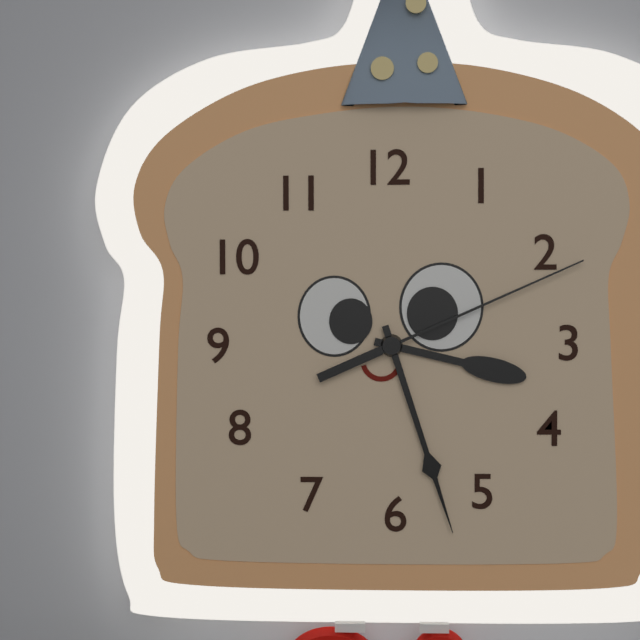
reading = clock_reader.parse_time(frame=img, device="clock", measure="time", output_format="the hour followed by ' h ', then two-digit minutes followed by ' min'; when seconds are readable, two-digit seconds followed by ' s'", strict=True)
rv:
3 h 27 min 11 s
